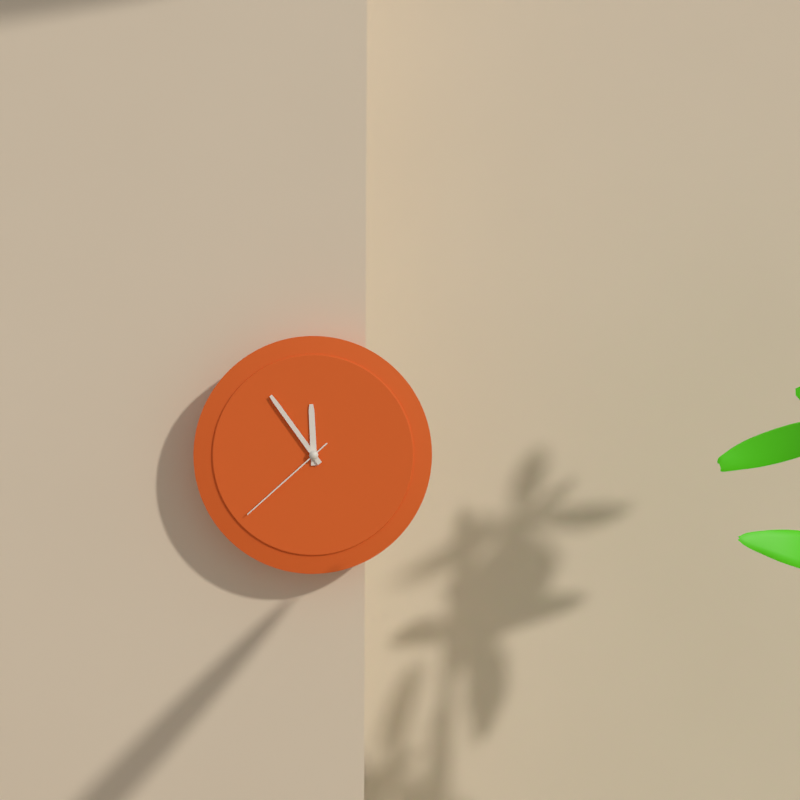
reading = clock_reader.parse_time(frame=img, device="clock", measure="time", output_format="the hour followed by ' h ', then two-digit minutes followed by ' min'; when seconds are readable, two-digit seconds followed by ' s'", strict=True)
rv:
11 h 54 min 38 s
